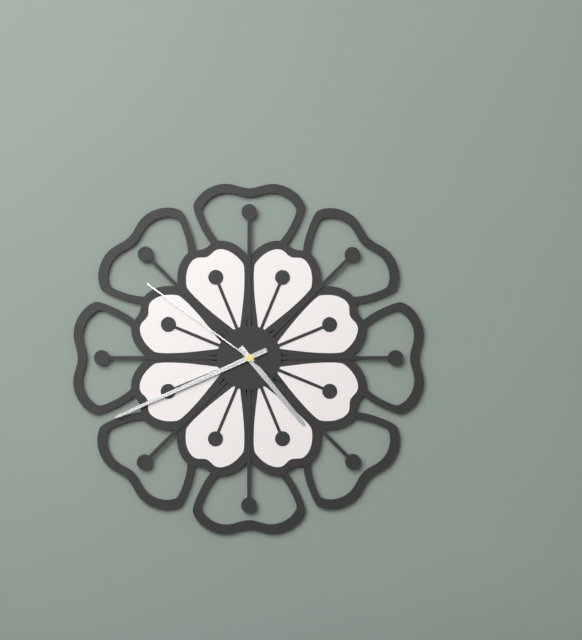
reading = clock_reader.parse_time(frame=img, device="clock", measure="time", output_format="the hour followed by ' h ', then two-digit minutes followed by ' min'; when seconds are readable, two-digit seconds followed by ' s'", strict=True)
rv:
4 h 41 min 51 s
